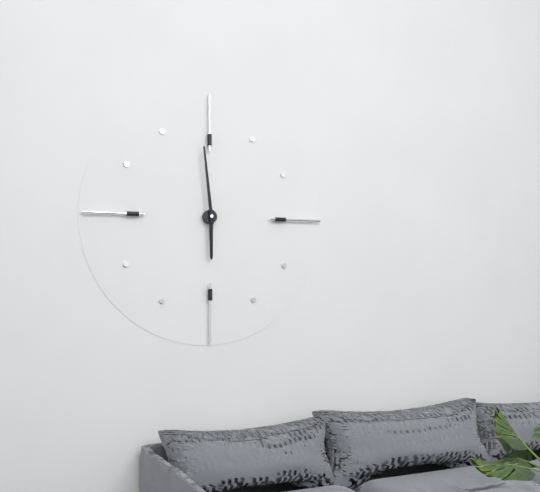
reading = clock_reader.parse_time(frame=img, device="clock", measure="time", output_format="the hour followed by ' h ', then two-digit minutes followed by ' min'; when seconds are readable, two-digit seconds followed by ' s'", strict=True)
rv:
5 h 59 min
